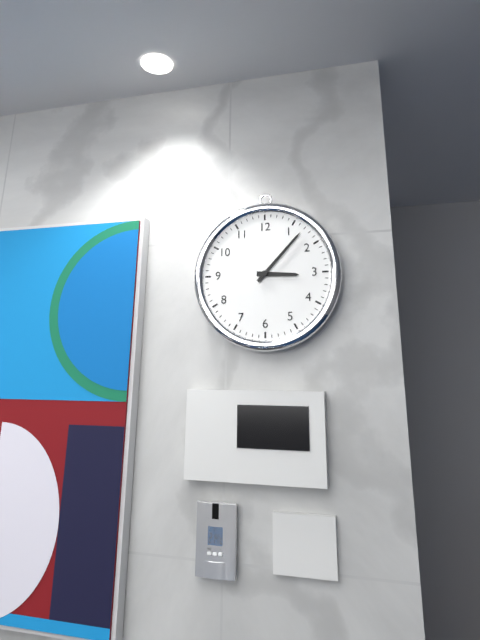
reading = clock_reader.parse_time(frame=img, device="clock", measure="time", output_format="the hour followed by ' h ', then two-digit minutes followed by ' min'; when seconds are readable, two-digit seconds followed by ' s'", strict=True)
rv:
3 h 07 min
